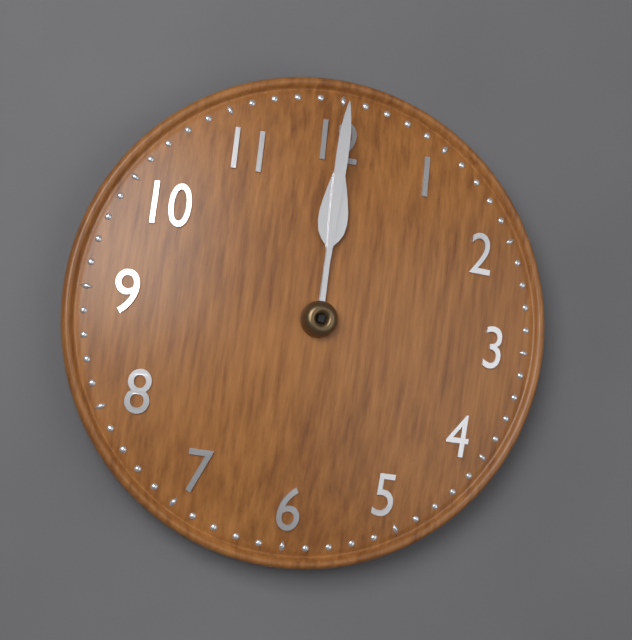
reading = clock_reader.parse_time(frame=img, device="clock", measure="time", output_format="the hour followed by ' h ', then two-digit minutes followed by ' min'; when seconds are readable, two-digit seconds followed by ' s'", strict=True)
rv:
12 h 00 min
